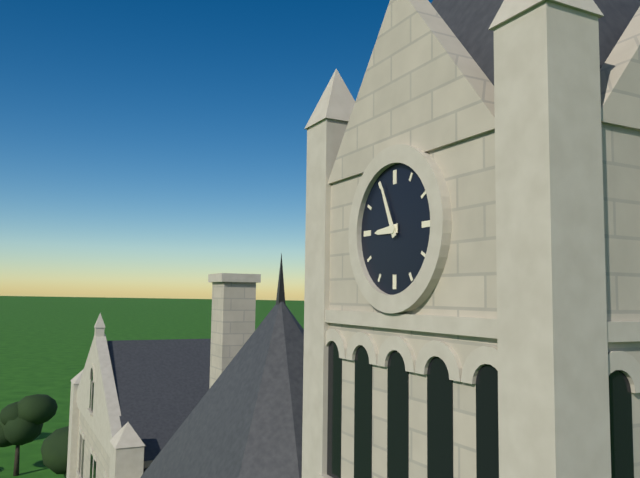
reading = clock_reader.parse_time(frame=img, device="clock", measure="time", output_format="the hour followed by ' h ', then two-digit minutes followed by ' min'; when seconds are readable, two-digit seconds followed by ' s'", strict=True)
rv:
8 h 56 min
